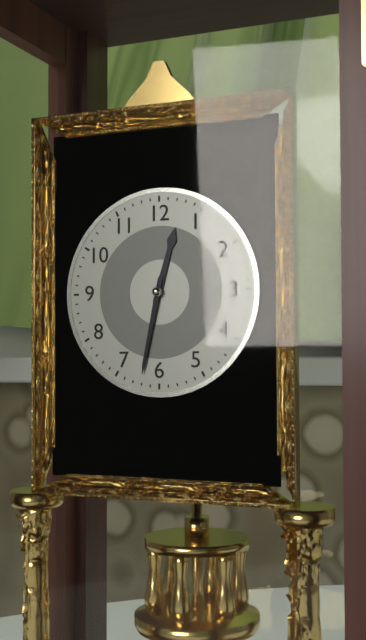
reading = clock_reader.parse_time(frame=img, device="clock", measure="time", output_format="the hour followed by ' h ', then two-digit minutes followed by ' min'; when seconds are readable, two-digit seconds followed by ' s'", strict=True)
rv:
12 h 32 min
